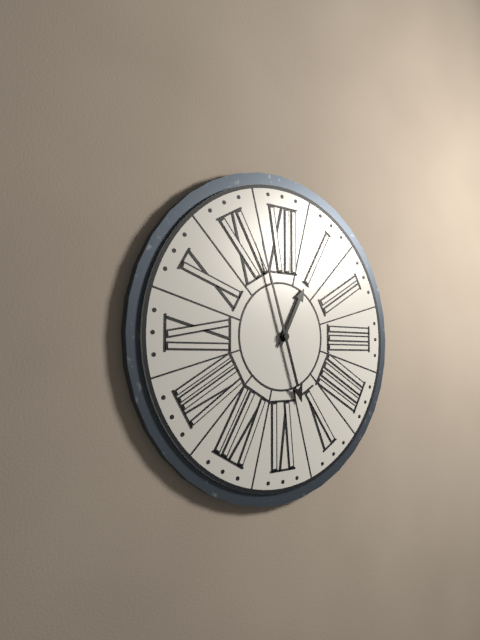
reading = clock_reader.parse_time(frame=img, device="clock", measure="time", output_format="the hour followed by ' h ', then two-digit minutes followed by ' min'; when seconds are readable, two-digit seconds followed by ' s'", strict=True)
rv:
12 h 57 min
